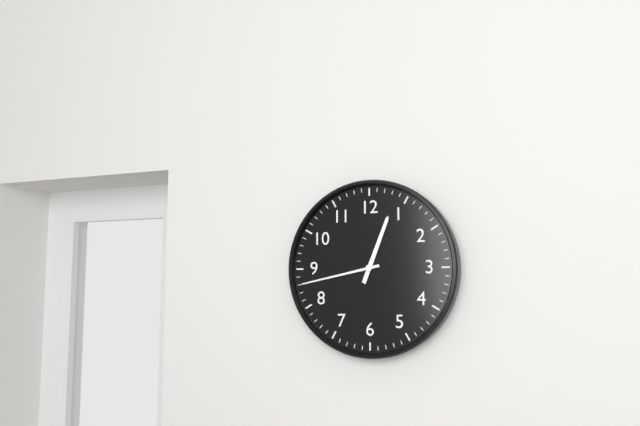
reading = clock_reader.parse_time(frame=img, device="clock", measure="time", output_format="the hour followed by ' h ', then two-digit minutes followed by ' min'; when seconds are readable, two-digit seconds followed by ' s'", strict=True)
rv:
12 h 43 min
